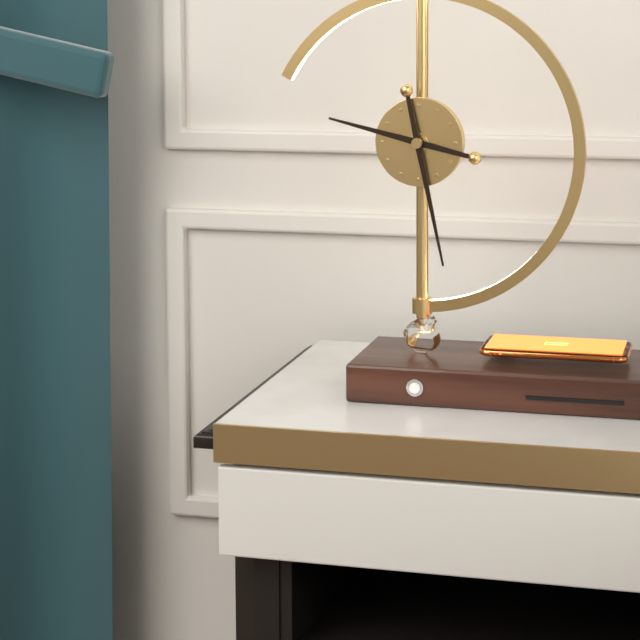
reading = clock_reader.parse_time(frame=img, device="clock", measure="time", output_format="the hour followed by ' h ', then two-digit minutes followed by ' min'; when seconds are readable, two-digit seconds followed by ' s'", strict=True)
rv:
9 h 28 min
